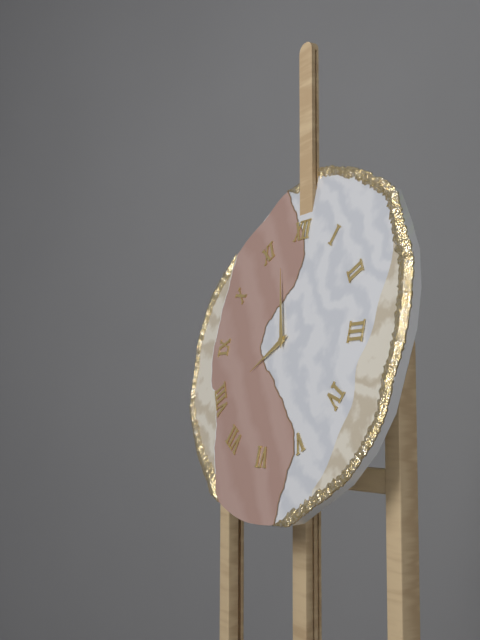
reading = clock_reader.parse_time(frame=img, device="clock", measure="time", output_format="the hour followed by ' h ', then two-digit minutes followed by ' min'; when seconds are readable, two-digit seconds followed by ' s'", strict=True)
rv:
7 h 57 min
